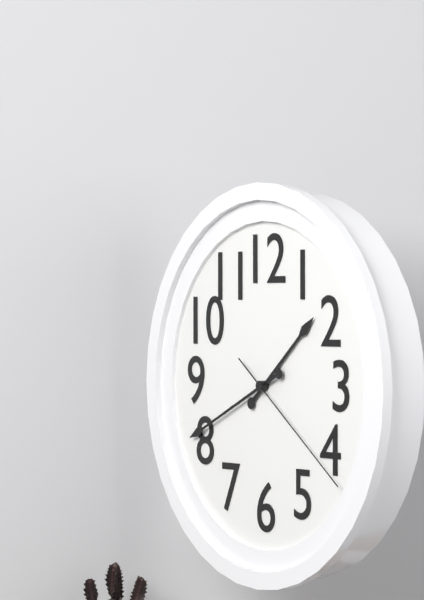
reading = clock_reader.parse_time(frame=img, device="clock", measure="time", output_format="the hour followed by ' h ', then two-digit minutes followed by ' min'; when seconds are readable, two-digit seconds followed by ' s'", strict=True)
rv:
1 h 41 min 21 s
